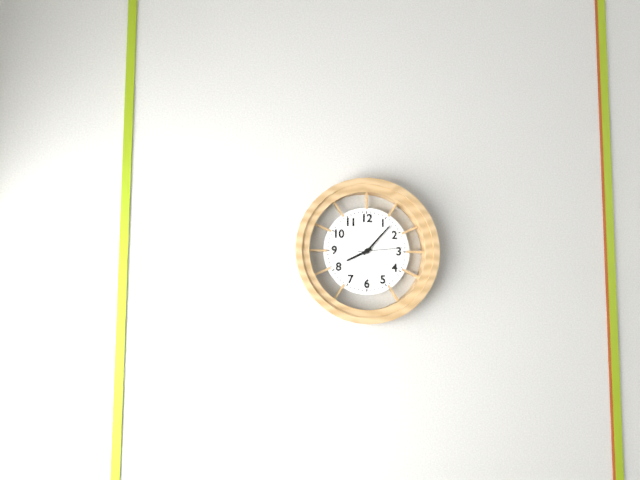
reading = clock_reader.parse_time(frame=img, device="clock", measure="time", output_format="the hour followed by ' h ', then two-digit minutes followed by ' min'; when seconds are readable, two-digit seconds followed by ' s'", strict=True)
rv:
8 h 07 min
